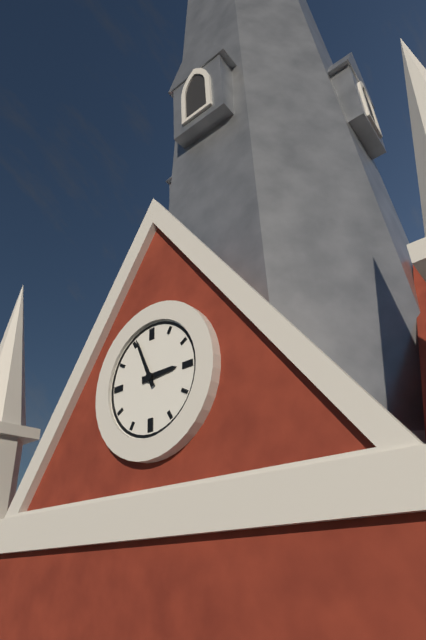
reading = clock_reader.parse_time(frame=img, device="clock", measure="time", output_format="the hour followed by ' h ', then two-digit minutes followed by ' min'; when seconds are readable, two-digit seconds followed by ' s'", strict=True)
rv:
2 h 56 min
